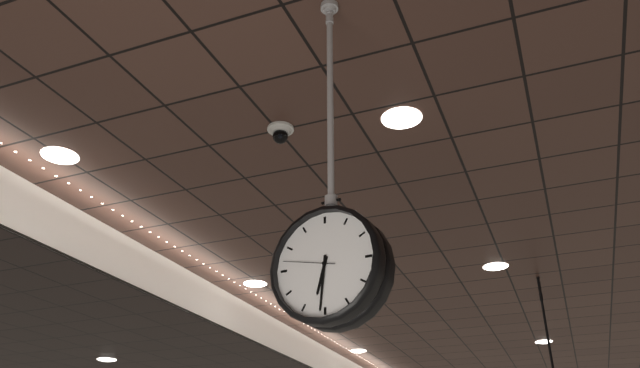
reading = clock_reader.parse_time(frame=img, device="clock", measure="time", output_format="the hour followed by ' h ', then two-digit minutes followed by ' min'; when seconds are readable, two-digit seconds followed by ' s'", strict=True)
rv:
6 h 31 min 47 s
